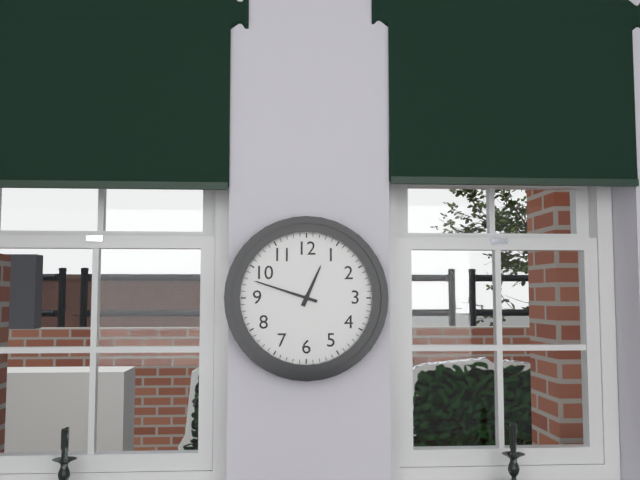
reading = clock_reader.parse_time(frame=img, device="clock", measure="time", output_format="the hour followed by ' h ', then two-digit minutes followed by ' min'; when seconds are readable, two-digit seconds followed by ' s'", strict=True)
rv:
12 h 48 min
